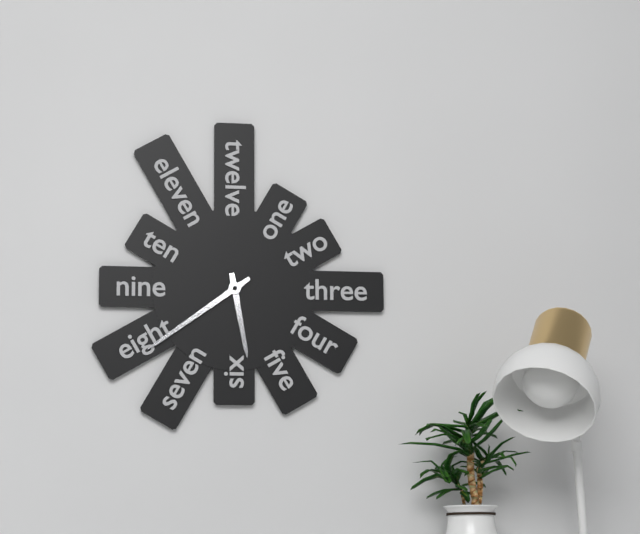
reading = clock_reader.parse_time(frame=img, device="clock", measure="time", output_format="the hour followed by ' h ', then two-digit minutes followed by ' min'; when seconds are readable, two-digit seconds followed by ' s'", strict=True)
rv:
5 h 39 min
